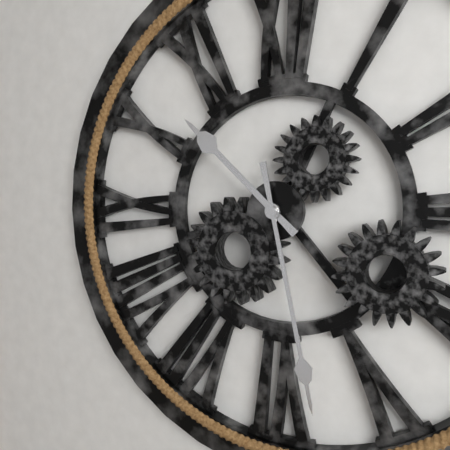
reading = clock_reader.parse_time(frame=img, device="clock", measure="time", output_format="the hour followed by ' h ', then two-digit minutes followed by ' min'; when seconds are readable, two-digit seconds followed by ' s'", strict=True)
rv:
10 h 28 min
